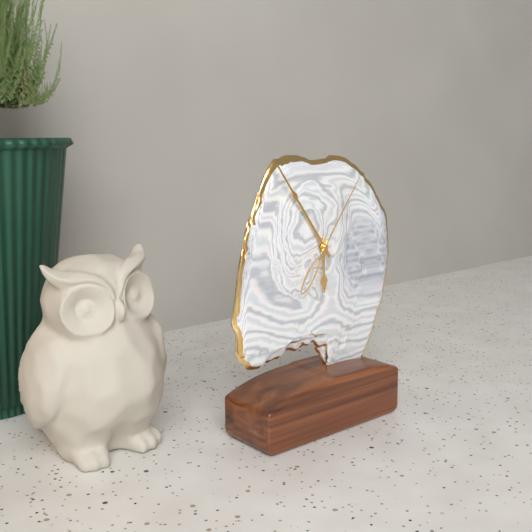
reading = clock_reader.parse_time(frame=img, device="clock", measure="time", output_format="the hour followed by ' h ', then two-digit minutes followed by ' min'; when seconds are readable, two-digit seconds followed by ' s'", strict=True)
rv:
5 h 54 min 06 s
